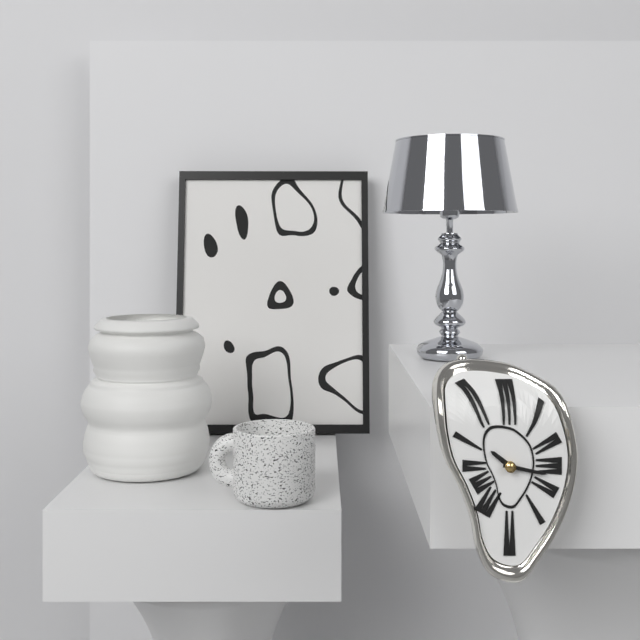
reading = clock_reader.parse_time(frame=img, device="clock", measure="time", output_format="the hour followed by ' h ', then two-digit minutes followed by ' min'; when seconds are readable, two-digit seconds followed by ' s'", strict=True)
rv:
10 h 17 min
